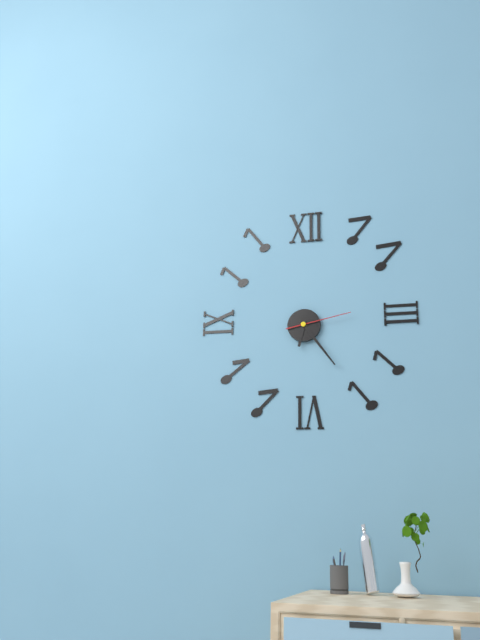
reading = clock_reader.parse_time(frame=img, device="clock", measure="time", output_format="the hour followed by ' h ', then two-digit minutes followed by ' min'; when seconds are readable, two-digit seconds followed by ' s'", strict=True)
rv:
6 h 24 min 13 s
